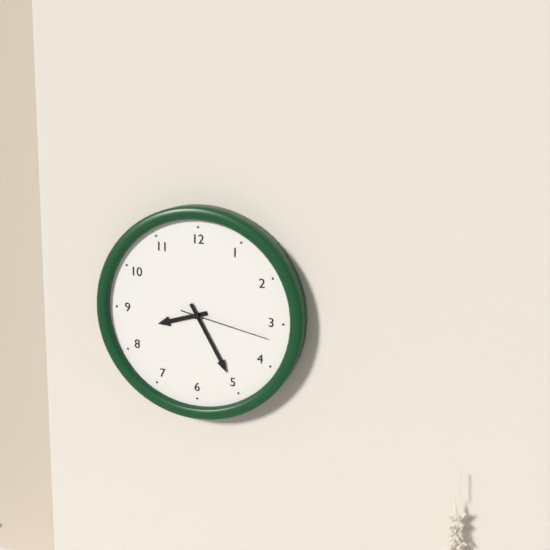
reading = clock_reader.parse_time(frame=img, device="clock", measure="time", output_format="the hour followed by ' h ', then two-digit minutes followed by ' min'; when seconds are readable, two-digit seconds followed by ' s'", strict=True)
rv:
8 h 25 min 17 s
